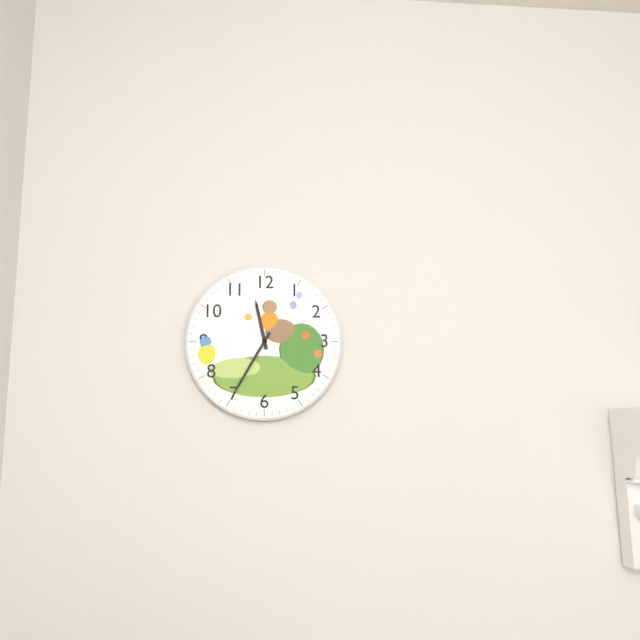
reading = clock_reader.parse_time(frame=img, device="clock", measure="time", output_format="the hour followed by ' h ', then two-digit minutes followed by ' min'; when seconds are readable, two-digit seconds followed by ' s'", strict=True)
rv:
11 h 35 min
